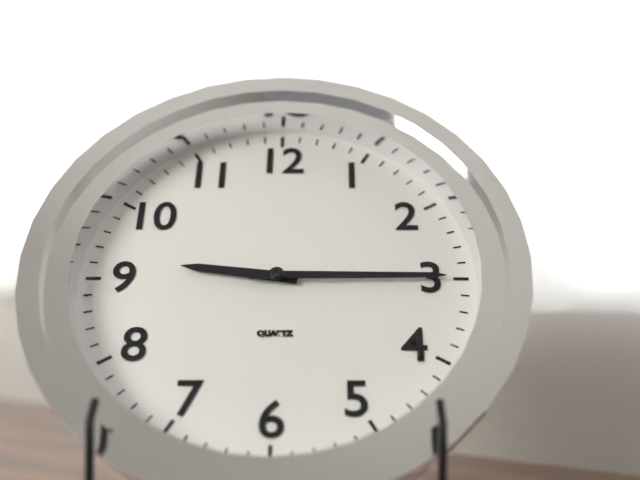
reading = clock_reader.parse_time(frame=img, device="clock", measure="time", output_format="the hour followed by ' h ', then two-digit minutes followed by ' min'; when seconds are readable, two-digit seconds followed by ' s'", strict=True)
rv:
9 h 15 min
